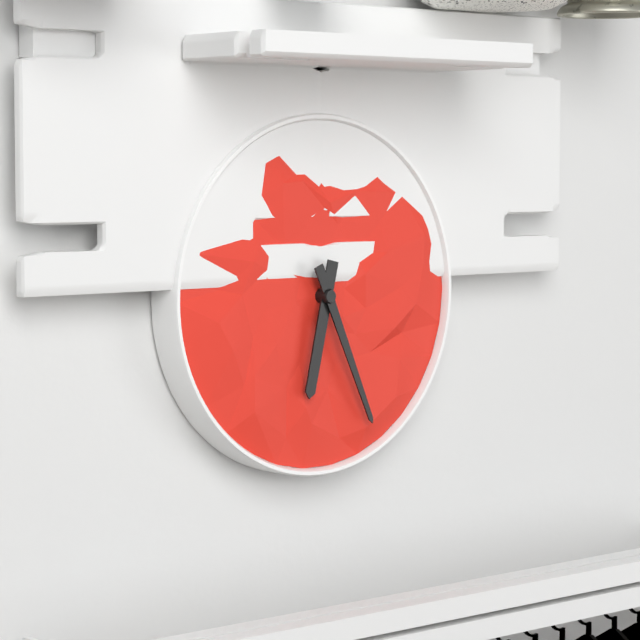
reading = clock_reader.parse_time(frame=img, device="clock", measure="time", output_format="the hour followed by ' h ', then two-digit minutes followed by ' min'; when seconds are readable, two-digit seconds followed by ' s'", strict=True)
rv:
6 h 26 min
